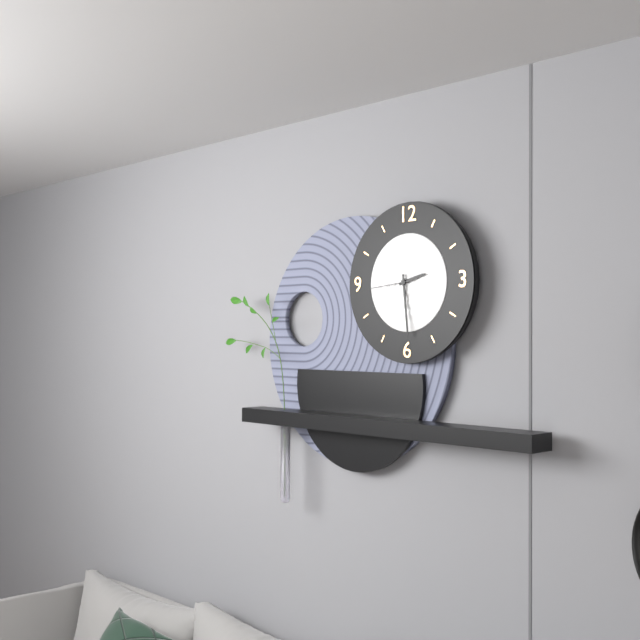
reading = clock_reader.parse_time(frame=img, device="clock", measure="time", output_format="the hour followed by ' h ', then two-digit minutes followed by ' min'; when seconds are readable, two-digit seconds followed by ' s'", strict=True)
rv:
2 h 29 min
